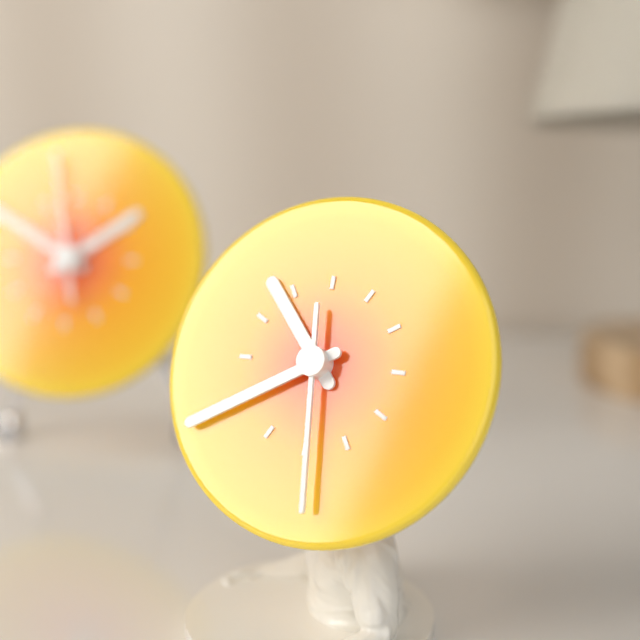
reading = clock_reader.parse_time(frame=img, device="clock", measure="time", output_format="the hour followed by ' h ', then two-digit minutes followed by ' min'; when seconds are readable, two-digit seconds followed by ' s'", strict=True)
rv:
10 h 40 min 29 s
